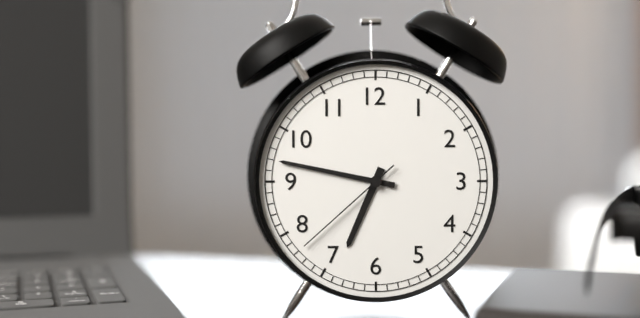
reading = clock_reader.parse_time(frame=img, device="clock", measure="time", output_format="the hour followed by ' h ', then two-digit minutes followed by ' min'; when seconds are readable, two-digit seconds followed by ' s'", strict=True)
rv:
6 h 47 min 38 s
